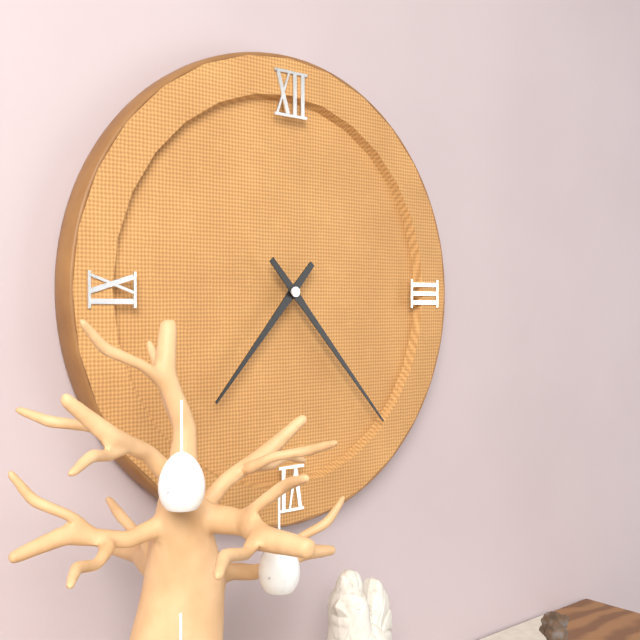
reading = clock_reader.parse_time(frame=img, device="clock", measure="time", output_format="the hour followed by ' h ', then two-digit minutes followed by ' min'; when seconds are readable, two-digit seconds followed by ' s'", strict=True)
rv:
7 h 23 min
